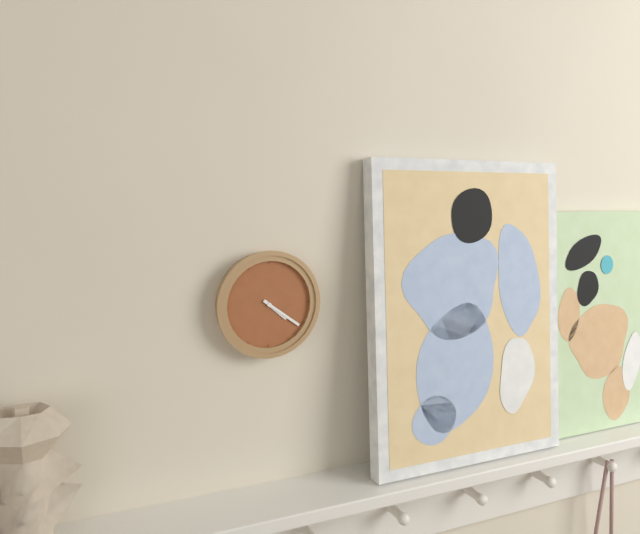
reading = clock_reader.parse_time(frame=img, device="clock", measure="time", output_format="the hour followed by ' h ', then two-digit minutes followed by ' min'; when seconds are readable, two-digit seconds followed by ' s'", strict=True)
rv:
4 h 21 min
